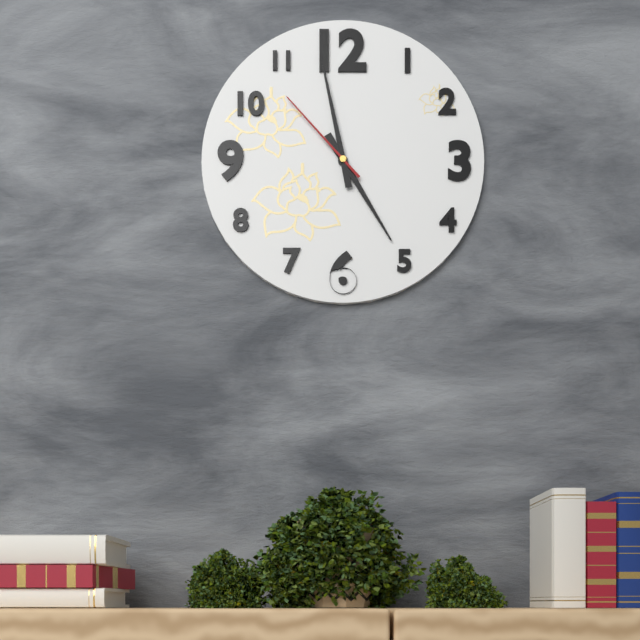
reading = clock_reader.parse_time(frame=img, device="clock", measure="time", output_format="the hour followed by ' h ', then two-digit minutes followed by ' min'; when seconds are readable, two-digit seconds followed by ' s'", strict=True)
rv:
4 h 58 min 53 s
